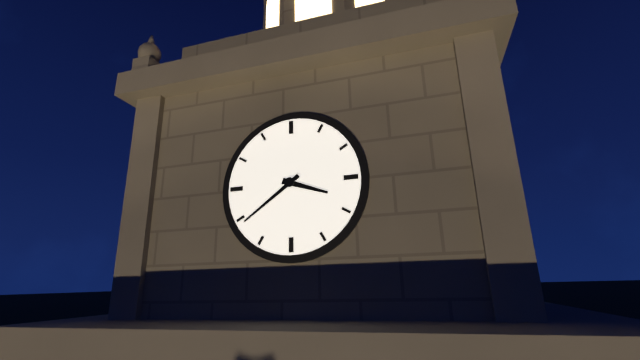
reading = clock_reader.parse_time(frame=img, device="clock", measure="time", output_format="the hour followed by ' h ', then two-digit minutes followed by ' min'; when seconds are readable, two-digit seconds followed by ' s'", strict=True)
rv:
3 h 39 min
